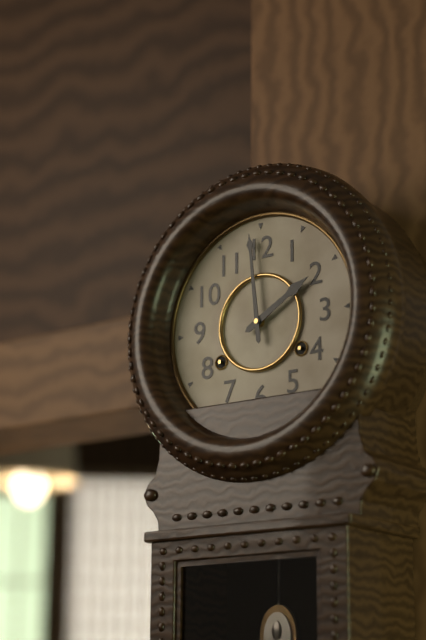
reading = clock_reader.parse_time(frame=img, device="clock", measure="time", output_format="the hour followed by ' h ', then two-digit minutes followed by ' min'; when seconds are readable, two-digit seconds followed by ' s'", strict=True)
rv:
1 h 59 min
